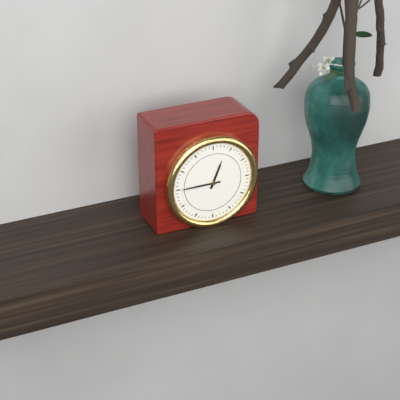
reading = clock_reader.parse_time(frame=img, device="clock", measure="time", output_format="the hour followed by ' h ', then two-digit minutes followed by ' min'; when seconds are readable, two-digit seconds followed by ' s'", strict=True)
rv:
12 h 45 min
